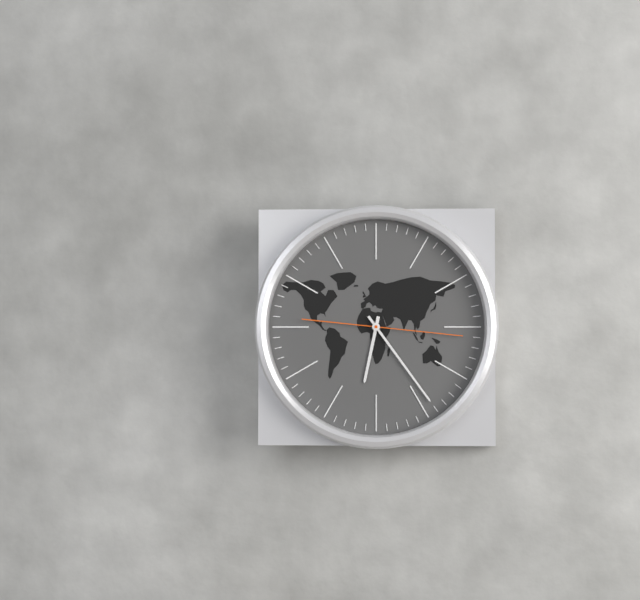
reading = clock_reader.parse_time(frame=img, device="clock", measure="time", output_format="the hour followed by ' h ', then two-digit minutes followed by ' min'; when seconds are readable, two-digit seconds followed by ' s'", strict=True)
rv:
6 h 24 min 16 s
